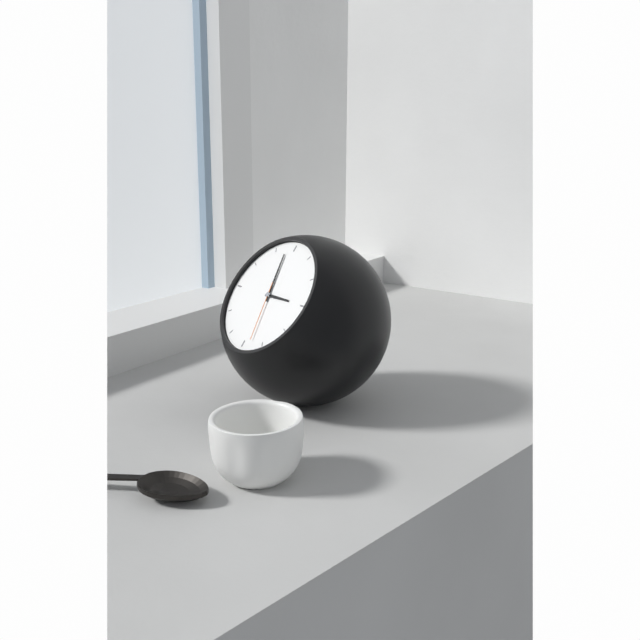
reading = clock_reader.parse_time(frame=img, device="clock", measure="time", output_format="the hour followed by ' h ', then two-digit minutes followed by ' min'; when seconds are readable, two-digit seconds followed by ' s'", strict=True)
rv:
2 h 58 min 28 s
